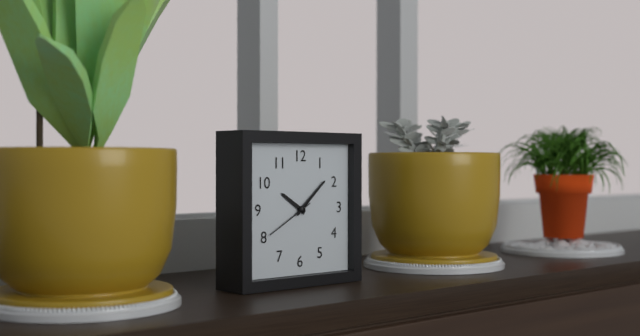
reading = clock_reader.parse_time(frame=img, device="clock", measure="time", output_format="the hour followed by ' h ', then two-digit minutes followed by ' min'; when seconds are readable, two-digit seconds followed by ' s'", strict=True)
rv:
10 h 08 min 40 s
